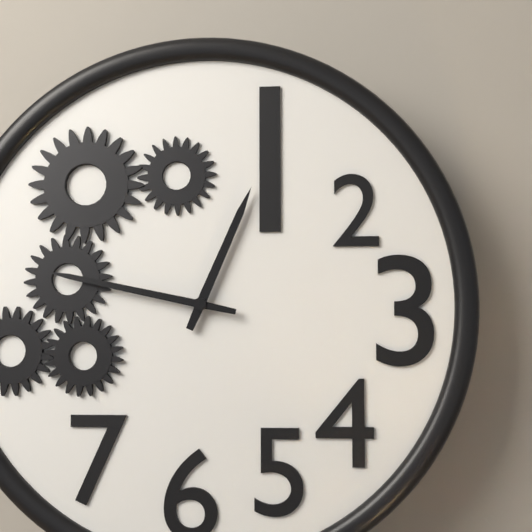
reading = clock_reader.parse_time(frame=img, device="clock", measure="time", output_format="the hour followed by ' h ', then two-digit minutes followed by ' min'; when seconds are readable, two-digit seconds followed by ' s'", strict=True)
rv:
12 h 47 min
